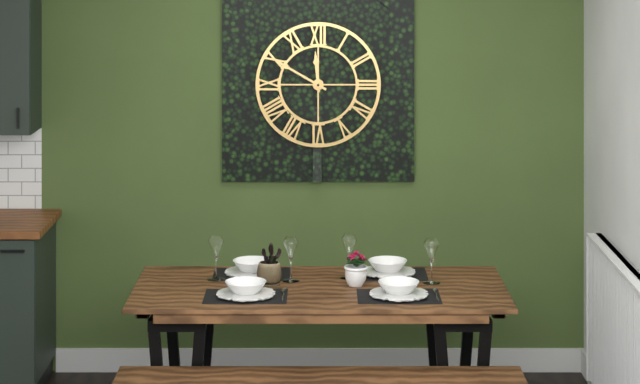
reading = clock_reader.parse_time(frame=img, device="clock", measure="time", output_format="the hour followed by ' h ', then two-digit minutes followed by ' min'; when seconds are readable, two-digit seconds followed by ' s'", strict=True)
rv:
11 h 50 min
